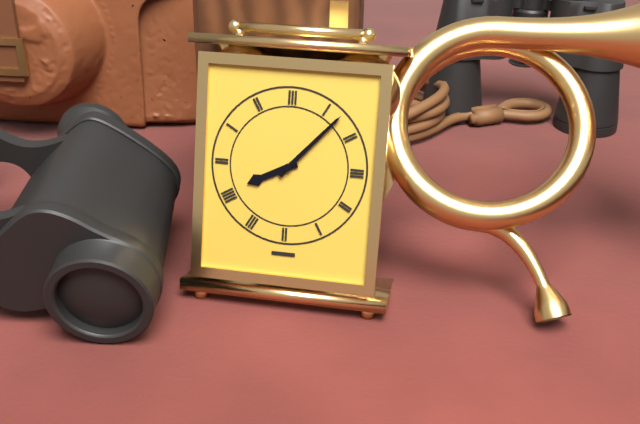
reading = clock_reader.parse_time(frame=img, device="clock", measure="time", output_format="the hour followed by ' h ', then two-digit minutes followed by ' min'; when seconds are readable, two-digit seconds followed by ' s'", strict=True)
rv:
8 h 07 min
